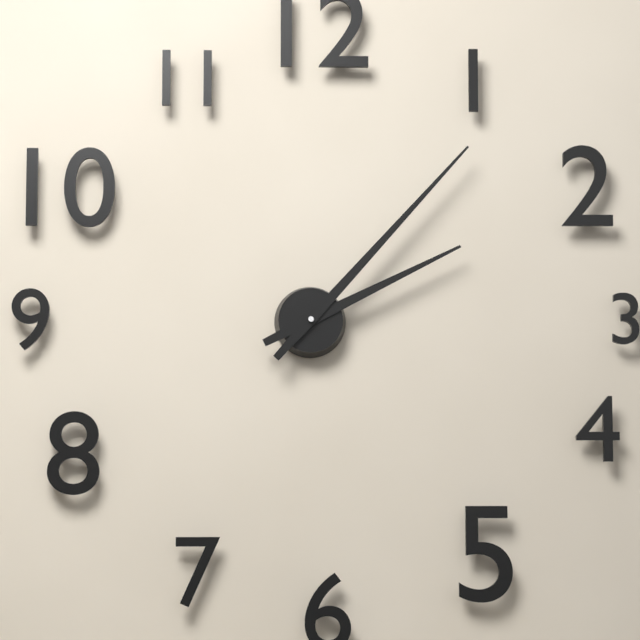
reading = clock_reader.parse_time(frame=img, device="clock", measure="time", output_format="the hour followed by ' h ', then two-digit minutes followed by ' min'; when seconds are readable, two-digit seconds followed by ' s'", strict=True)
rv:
2 h 07 min
